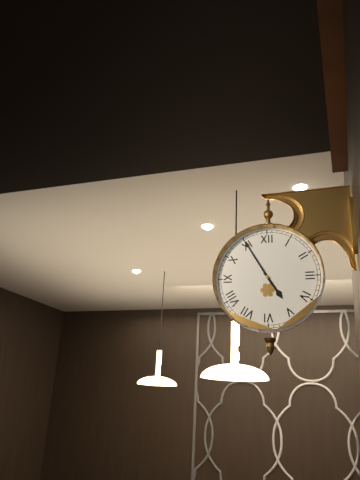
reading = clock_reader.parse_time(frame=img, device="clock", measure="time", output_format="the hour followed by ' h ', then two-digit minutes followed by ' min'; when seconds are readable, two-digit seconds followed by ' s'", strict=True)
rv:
4 h 55 min
